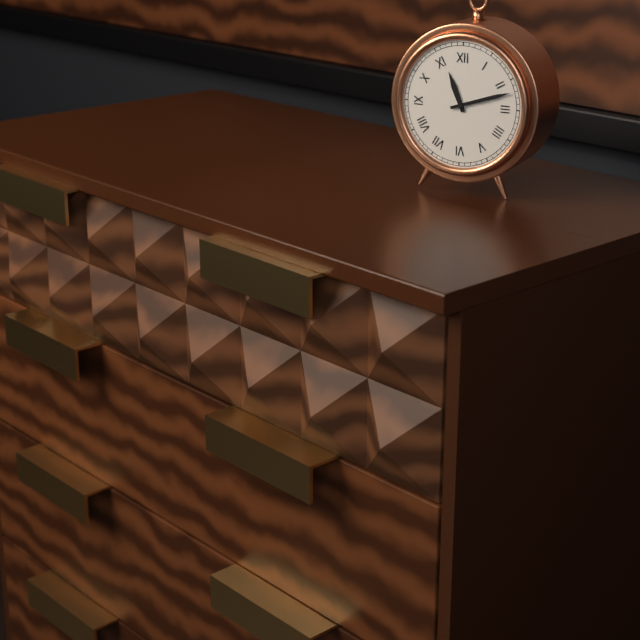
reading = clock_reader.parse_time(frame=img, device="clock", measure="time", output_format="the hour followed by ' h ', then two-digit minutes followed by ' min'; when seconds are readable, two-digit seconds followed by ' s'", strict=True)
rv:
11 h 12 min
